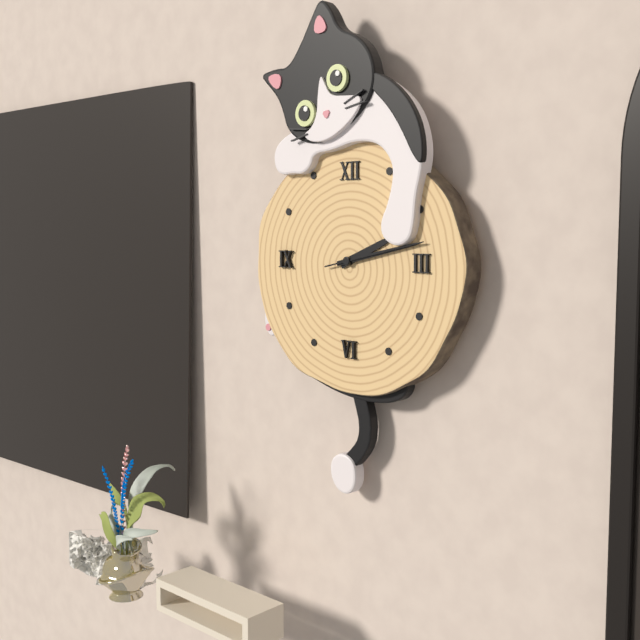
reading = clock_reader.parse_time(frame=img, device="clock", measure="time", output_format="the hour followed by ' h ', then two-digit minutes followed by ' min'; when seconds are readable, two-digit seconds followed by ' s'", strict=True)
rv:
2 h 13 min 13 s
